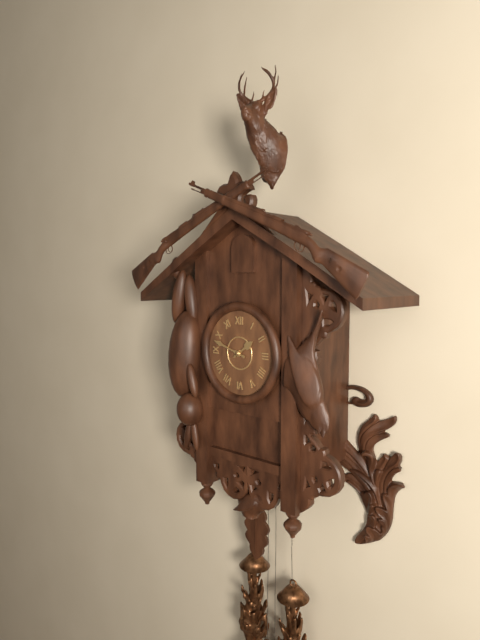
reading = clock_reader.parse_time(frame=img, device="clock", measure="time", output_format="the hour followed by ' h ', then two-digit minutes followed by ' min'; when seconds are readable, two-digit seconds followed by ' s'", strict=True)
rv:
1 h 48 min
